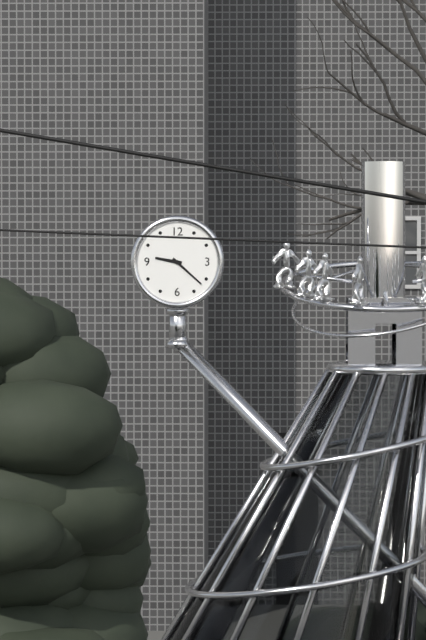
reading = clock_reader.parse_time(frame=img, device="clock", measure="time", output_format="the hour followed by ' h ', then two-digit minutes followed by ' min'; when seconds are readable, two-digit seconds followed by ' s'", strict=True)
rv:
9 h 22 min
